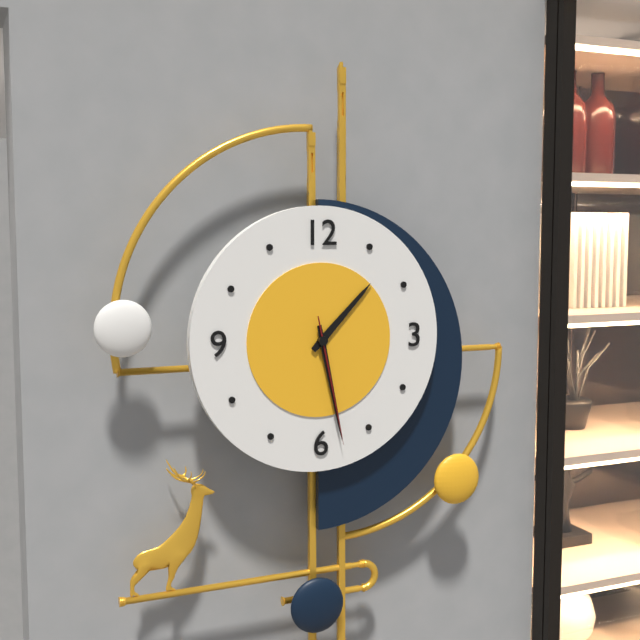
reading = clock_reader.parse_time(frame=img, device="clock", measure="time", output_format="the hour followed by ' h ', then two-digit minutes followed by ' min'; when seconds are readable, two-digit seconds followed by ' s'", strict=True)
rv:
1 h 28 min 28 s
